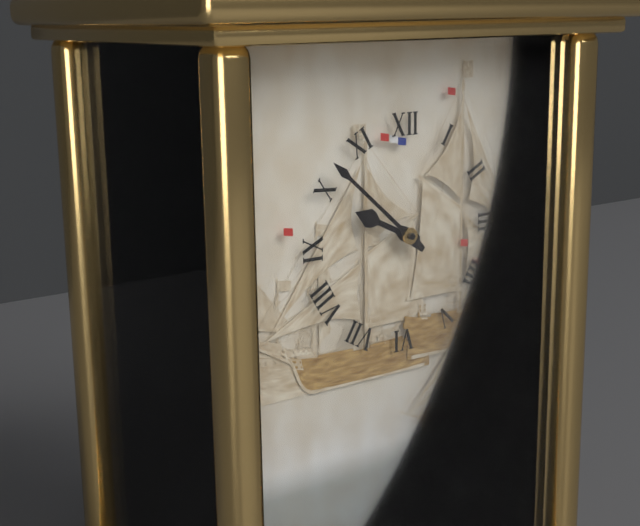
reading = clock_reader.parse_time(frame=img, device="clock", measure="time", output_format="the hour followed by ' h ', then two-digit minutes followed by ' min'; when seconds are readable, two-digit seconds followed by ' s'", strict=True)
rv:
9 h 52 min
